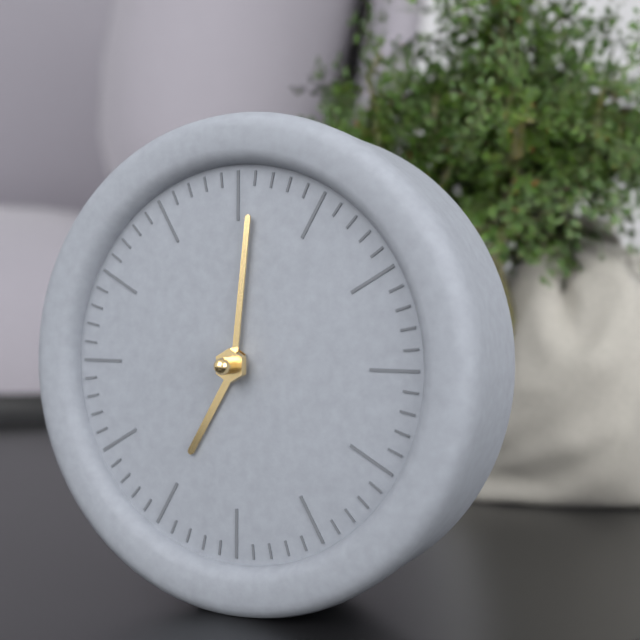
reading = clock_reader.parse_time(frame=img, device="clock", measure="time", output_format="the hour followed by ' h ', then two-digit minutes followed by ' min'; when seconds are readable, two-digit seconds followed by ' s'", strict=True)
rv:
7 h 01 min
